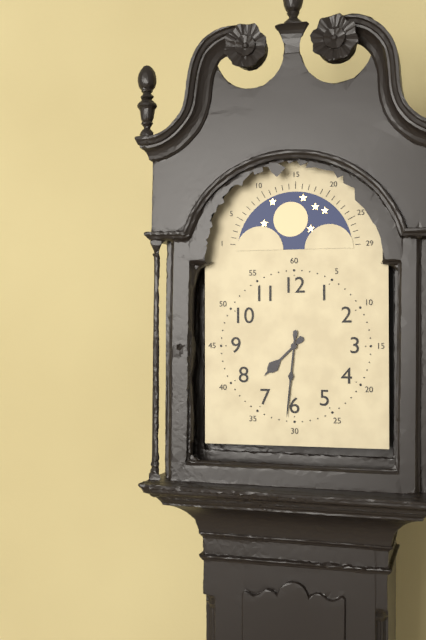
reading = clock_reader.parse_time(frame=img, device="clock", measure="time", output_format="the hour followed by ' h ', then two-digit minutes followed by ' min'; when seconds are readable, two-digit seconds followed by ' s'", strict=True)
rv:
7 h 31 min
